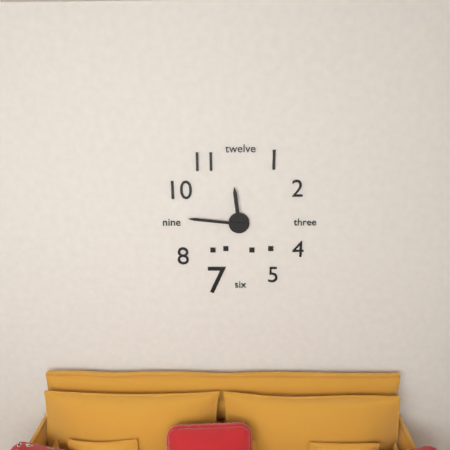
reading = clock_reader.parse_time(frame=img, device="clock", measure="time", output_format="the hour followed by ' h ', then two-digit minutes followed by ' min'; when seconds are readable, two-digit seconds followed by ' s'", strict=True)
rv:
11 h 46 min
